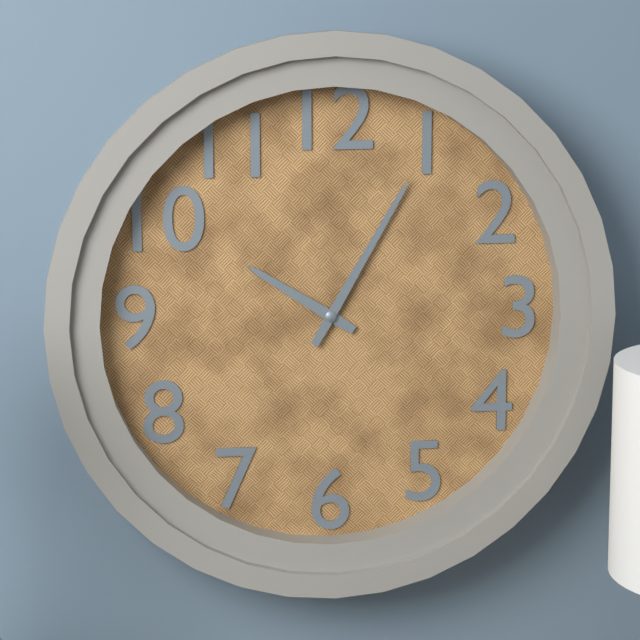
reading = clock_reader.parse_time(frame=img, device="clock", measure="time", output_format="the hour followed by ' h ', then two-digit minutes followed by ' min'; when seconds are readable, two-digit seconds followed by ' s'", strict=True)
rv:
10 h 05 min
